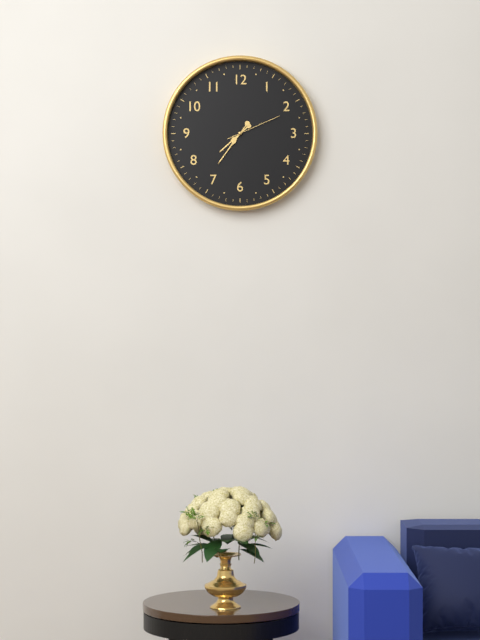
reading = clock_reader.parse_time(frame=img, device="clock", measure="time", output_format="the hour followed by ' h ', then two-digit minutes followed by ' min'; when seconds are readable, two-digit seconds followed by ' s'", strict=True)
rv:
7 h 36 min 11 s
